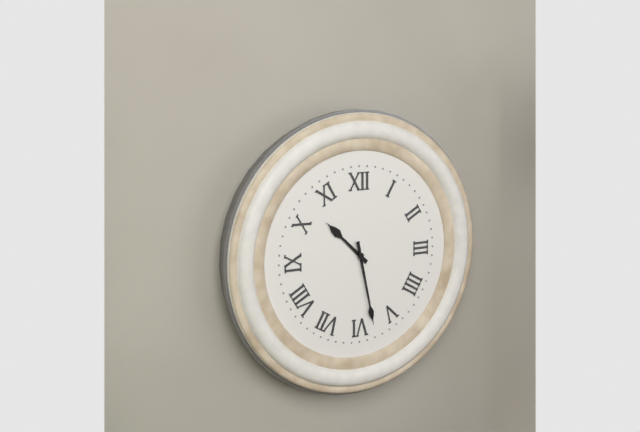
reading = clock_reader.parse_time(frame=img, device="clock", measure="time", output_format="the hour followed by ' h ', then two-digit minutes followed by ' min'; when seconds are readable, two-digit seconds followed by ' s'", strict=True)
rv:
10 h 28 min
